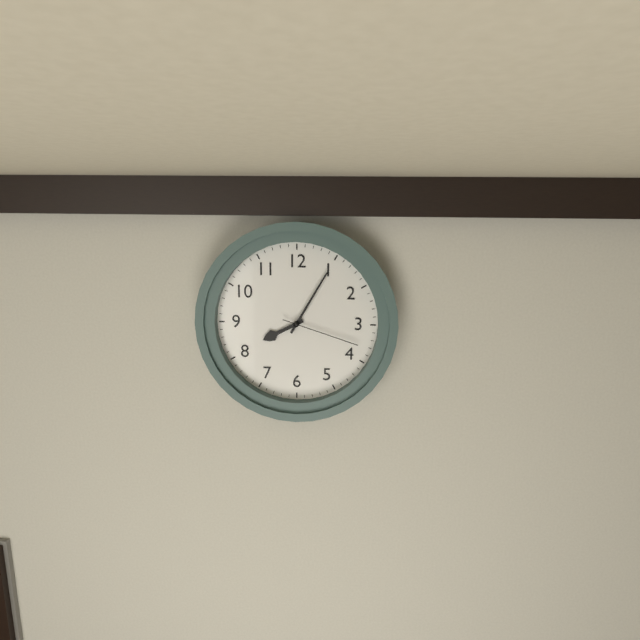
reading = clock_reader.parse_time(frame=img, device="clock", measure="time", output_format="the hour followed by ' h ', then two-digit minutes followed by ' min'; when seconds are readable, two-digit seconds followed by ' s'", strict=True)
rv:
8 h 05 min 18 s
